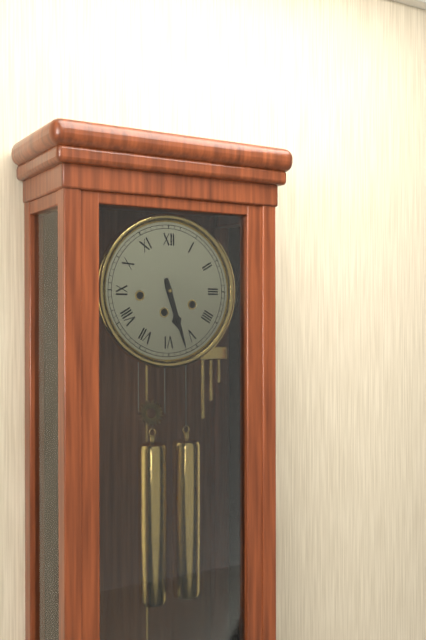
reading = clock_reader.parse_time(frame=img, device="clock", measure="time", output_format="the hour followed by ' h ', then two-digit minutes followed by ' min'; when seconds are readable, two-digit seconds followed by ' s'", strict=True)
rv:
5 h 27 min
